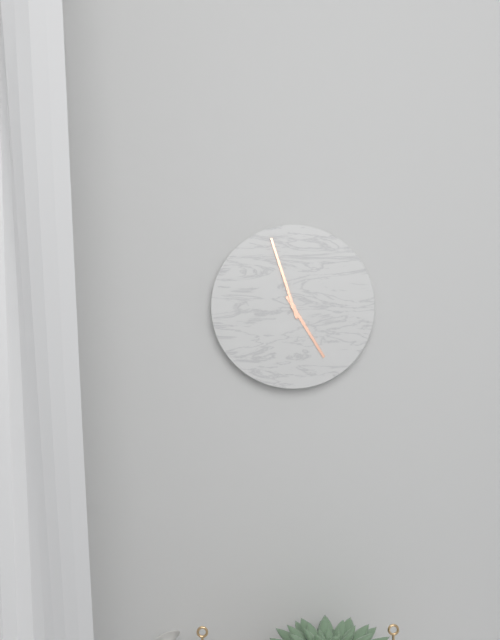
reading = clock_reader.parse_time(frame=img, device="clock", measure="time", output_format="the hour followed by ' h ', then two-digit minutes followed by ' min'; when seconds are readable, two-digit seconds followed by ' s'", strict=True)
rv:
4 h 57 min
